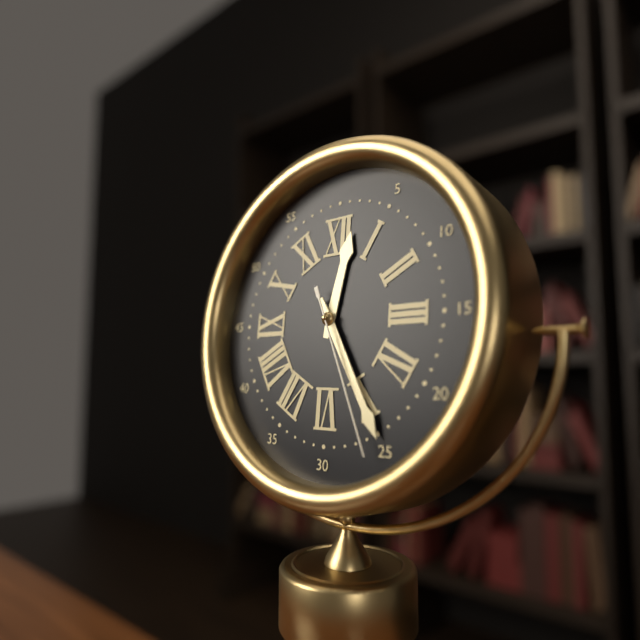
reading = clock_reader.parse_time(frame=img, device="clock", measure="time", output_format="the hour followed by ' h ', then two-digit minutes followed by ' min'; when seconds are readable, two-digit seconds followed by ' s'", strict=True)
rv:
12 h 25 min 26 s
